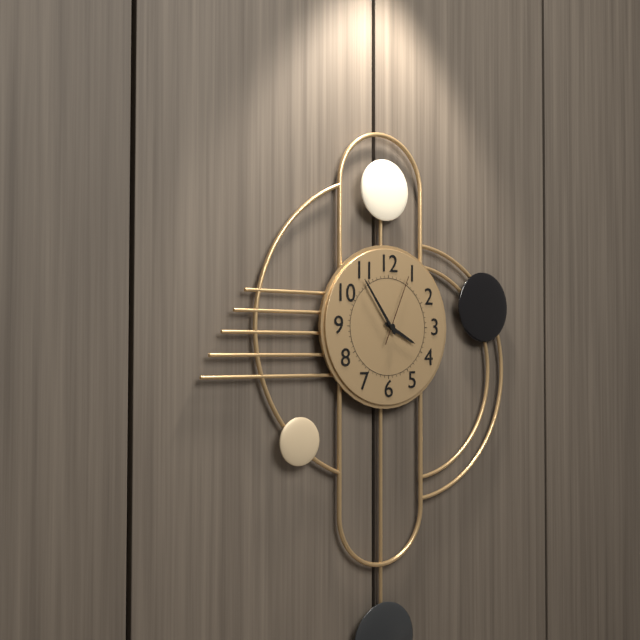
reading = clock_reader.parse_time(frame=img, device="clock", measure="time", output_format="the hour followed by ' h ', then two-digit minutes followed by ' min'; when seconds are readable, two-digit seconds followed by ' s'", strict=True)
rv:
3 h 54 min 04 s
